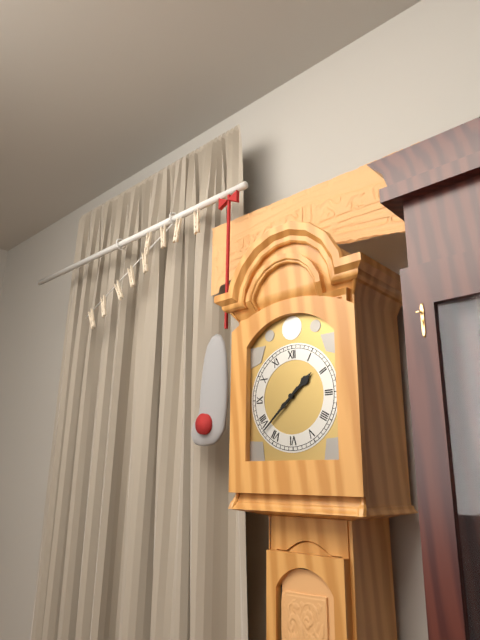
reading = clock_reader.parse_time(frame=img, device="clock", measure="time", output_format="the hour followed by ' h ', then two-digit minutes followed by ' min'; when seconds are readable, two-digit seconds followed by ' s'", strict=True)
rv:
1 h 38 min
